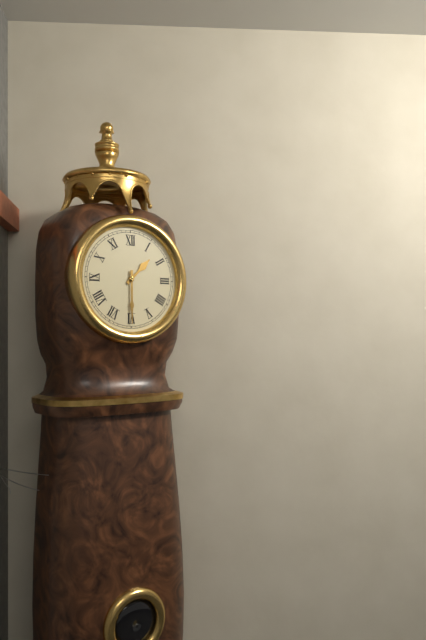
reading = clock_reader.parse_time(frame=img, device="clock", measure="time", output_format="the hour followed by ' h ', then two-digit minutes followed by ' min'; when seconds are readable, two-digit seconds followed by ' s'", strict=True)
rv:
1 h 30 min
